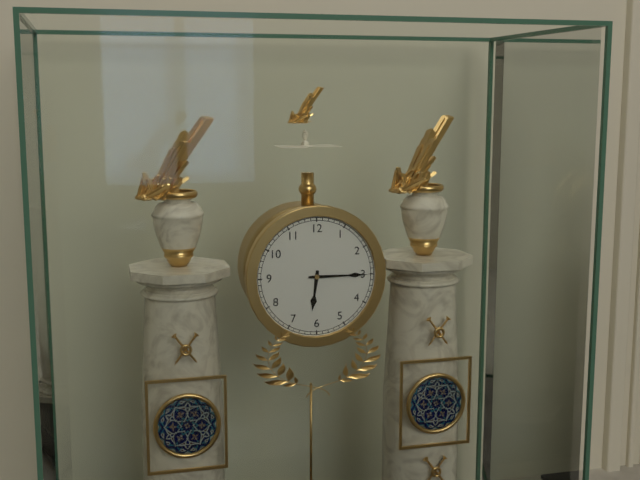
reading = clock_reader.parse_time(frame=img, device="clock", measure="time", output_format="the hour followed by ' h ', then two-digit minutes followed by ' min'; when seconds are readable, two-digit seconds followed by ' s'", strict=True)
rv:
6 h 15 min
